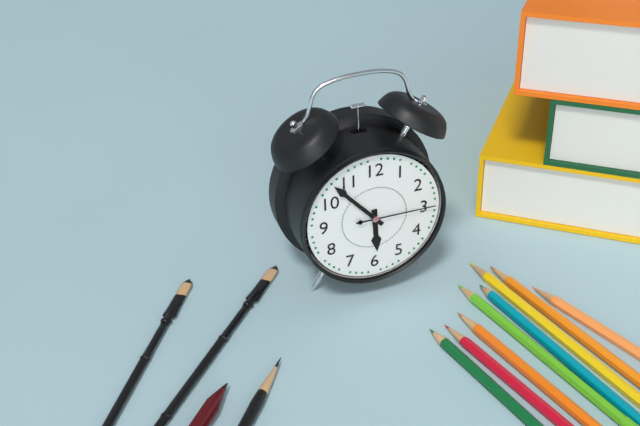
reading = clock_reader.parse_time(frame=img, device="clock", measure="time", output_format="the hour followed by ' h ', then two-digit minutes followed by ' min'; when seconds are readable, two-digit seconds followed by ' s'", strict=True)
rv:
5 h 53 min 15 s
